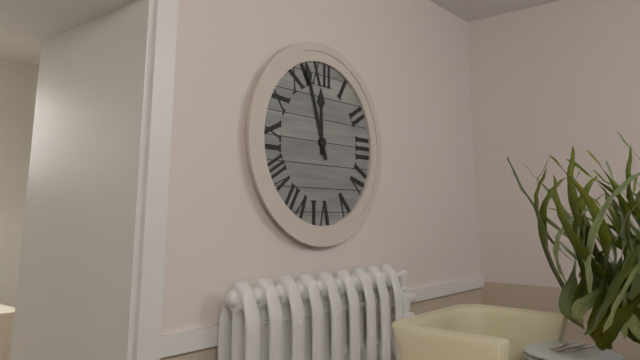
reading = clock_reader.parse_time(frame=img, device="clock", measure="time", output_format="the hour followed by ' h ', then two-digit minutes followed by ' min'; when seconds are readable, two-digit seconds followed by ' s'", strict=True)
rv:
11 h 57 min
